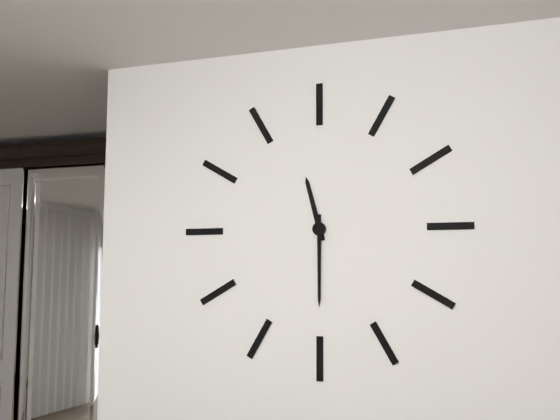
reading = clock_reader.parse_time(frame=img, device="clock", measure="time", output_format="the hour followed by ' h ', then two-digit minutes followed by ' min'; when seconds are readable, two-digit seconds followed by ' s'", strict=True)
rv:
11 h 30 min
